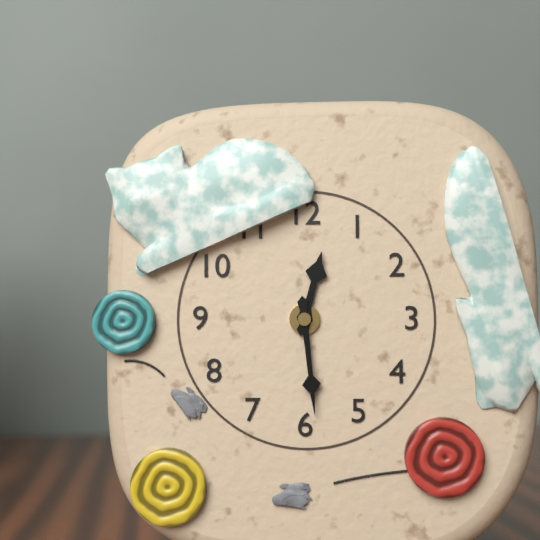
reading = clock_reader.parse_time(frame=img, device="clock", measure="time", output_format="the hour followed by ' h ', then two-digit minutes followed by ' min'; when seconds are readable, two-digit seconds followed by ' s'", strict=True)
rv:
12 h 29 min
